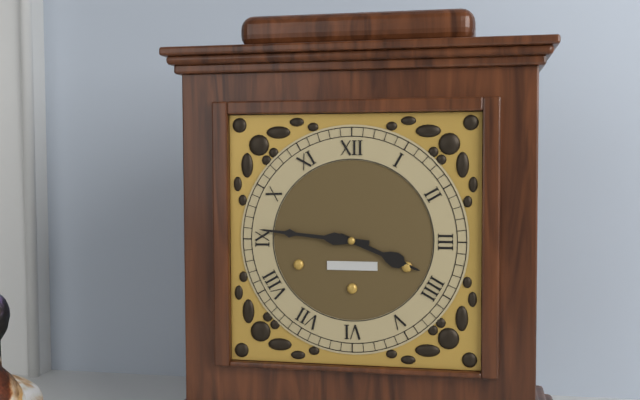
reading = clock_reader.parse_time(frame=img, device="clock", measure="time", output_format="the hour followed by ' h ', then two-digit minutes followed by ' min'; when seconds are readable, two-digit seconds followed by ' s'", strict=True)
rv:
3 h 46 min
